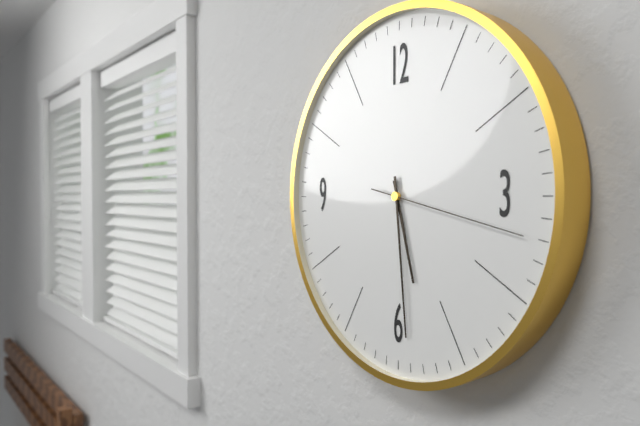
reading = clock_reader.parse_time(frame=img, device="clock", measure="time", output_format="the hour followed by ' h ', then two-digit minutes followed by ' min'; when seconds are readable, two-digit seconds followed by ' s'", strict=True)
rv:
5 h 29 min 17 s
